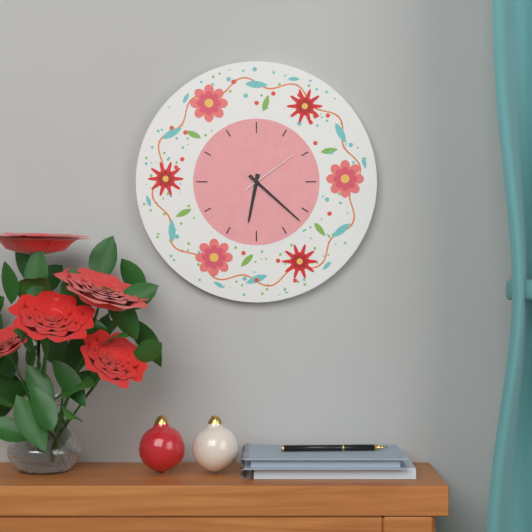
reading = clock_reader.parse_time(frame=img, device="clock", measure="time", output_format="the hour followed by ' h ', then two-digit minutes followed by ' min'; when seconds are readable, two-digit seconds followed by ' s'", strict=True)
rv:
6 h 22 min 09 s
